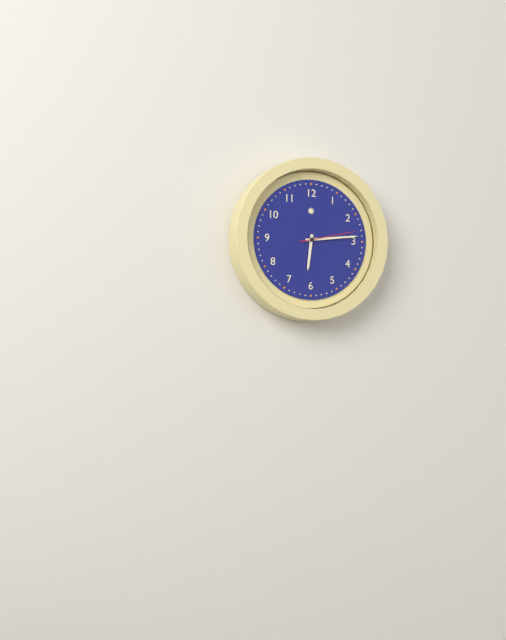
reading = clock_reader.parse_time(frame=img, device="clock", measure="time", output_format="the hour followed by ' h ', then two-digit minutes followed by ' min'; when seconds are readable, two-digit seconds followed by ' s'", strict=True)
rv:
6 h 14 min 13 s
